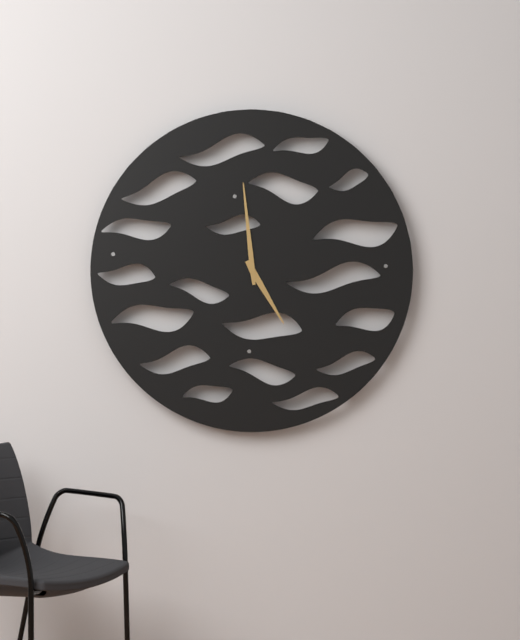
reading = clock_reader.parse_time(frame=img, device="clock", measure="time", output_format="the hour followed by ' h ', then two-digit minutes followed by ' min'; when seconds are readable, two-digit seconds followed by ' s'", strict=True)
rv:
4 h 59 min
